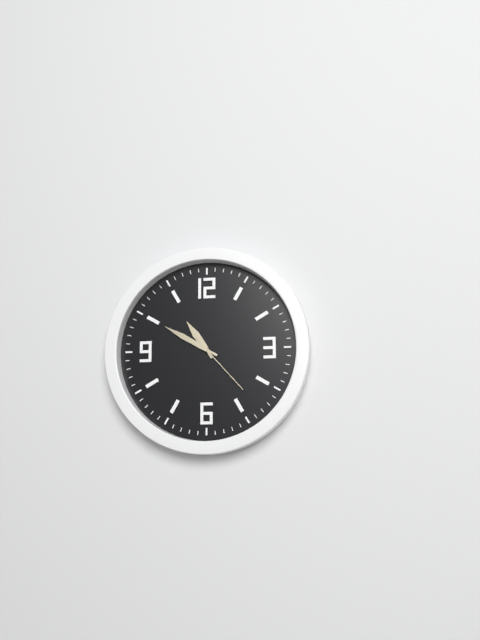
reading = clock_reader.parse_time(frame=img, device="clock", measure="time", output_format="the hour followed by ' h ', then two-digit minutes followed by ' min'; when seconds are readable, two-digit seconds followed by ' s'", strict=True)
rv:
10 h 50 min 23 s
